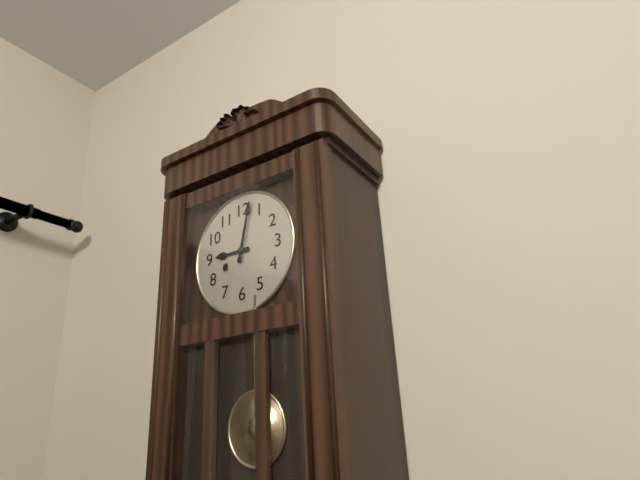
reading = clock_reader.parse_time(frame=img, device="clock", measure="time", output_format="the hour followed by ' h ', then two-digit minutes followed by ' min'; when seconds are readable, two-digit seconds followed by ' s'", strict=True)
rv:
9 h 02 min
